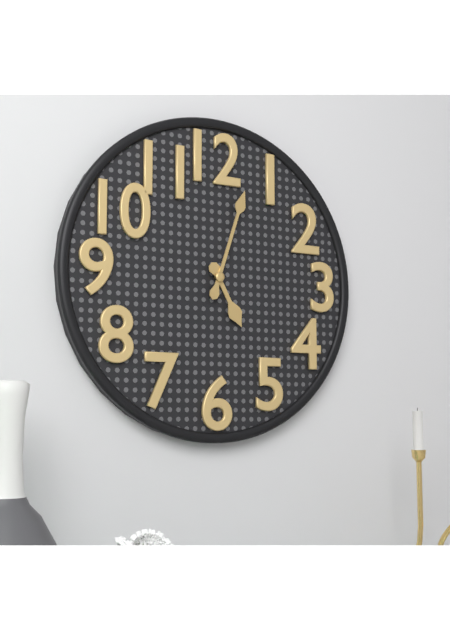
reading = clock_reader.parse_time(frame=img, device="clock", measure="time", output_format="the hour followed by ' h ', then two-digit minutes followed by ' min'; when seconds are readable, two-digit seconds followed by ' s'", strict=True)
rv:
5 h 03 min
